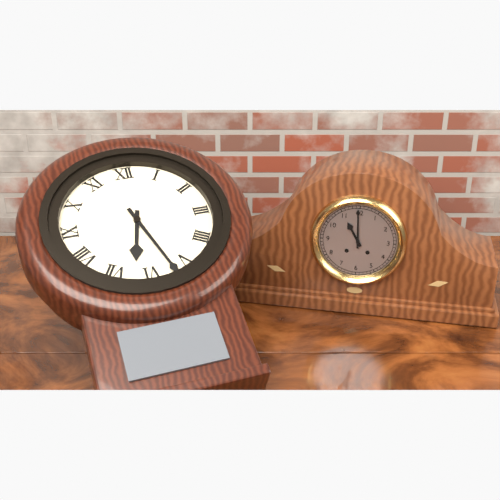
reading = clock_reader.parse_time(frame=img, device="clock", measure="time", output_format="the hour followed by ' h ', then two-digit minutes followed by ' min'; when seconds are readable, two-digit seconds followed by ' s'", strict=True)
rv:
6 h 27 min
